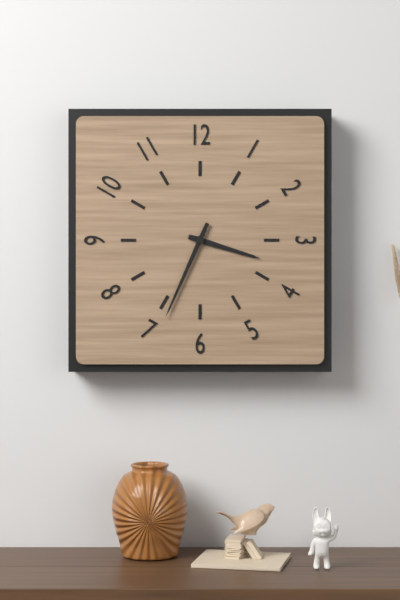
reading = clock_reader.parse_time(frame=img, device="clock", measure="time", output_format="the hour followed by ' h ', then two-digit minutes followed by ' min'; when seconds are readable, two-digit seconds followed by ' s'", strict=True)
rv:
3 h 34 min
